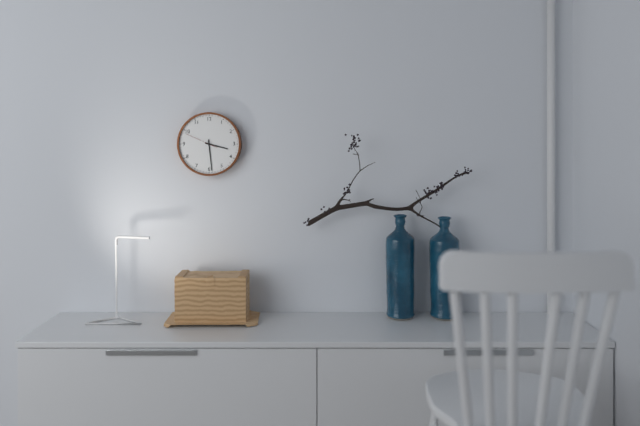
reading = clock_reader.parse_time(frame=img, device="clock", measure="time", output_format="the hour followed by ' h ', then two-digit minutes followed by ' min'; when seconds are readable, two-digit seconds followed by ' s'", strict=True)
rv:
3 h 29 min
